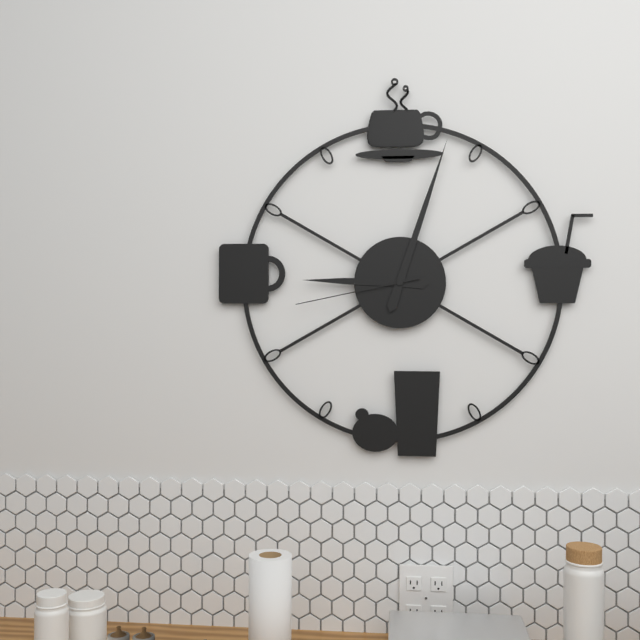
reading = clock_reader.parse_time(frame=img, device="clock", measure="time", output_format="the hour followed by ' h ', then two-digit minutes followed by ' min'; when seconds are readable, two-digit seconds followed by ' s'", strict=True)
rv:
9 h 03 min 43 s
